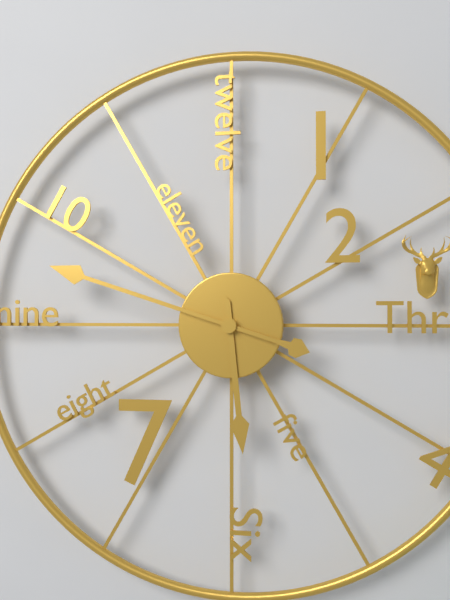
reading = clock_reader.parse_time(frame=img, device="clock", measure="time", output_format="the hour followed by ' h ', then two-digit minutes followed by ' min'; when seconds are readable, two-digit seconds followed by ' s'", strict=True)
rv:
5 h 48 min
